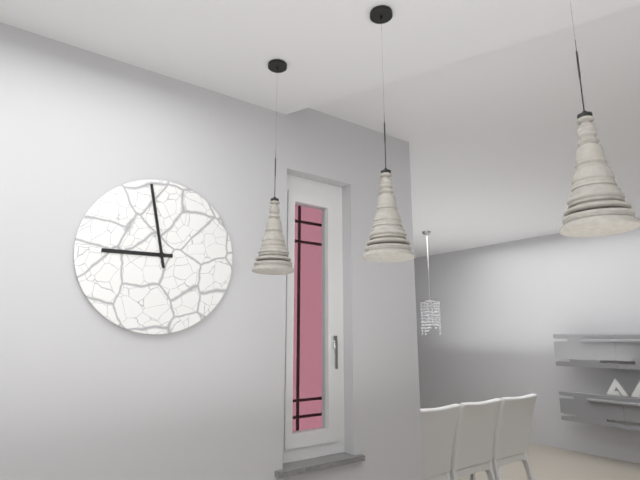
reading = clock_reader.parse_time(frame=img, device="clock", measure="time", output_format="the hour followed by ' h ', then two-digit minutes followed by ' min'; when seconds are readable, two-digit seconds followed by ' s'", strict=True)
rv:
8 h 58 min
